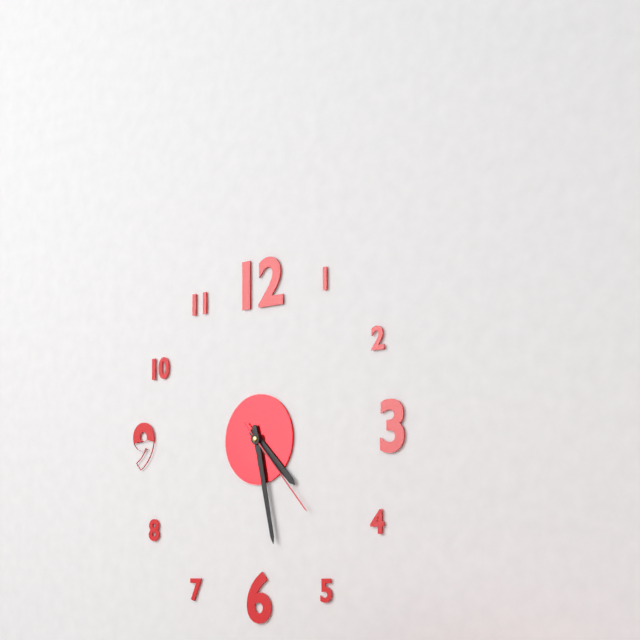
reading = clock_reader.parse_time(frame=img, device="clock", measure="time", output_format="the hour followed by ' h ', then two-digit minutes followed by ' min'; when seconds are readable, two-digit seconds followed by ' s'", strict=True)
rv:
4 h 28 min 23 s
